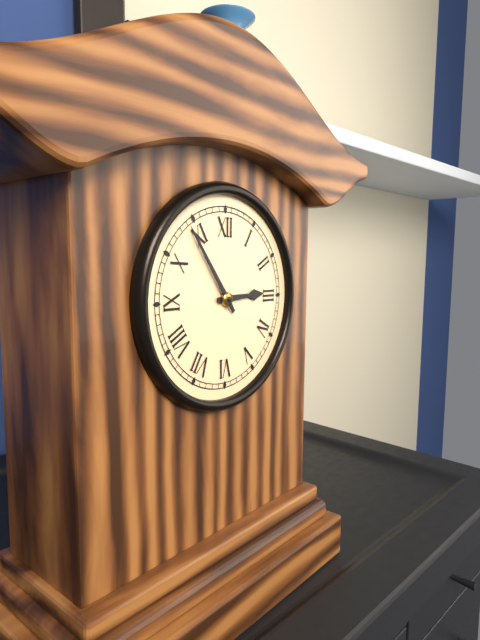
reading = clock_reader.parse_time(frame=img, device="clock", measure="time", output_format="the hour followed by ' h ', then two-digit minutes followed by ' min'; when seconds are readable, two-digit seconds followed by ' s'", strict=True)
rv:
2 h 54 min
